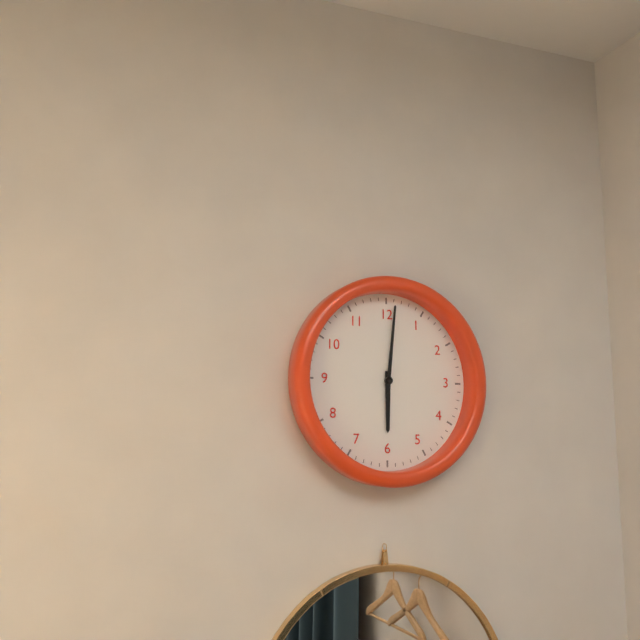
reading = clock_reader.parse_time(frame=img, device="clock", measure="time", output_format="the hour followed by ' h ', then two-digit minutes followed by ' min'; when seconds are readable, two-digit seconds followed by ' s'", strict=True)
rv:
6 h 01 min
